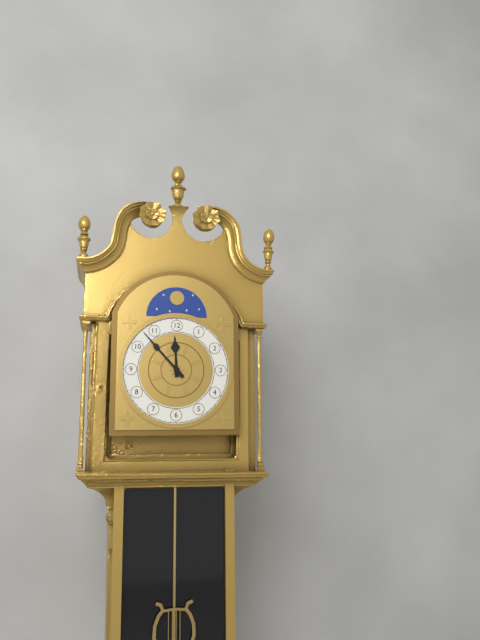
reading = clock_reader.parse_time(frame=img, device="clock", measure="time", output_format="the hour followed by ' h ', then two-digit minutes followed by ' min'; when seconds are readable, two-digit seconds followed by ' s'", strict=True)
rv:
11 h 53 min
